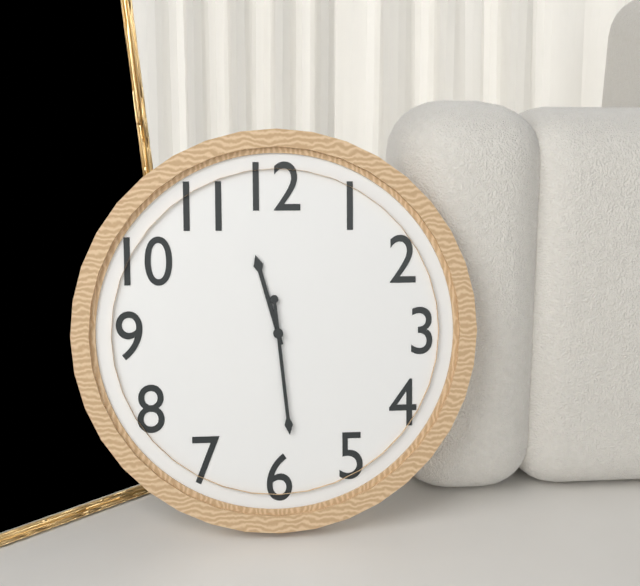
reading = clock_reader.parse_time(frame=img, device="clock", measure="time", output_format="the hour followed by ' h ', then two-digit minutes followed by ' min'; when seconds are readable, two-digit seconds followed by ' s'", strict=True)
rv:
11 h 29 min
